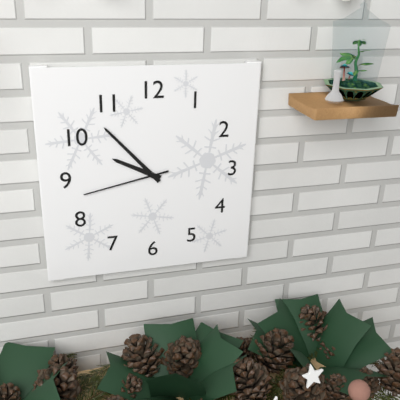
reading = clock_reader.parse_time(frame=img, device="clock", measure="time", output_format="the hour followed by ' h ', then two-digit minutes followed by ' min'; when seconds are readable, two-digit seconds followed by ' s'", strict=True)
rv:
9 h 53 min 43 s
